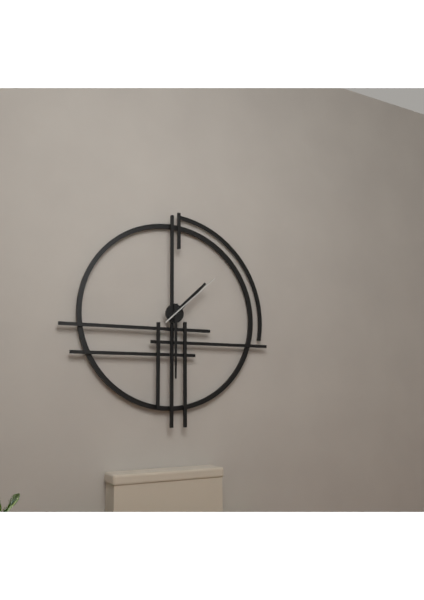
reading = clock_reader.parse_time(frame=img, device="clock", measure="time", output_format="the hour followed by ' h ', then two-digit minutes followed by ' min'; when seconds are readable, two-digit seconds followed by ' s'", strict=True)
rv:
1 h 30 min 08 s
